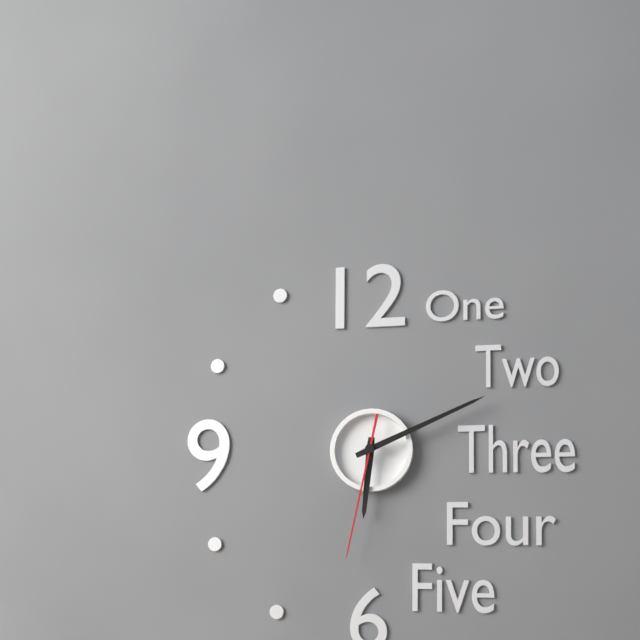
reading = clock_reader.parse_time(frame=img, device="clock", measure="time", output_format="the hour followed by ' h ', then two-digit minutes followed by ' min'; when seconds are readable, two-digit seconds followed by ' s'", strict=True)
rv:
6 h 11 min 32 s
